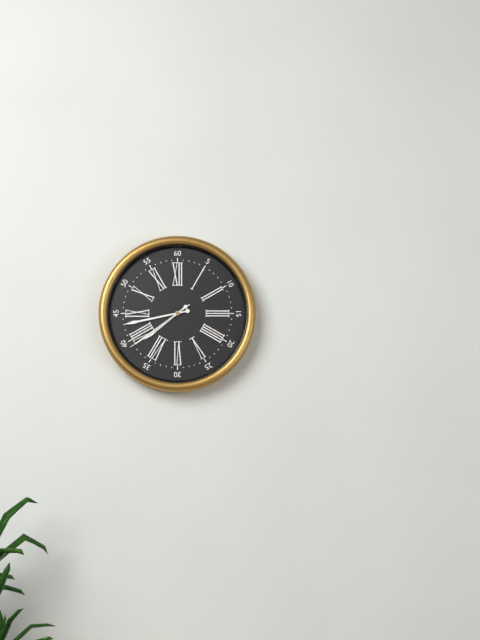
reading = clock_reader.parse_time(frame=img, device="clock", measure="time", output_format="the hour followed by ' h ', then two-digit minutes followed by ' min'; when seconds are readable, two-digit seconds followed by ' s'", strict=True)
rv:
7 h 43 min 39 s
